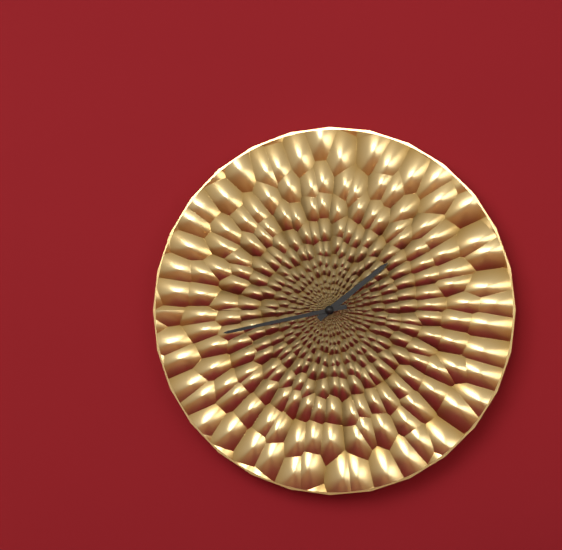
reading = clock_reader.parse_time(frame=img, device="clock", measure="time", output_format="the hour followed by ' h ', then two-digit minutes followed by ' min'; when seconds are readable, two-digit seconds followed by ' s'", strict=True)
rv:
1 h 43 min
